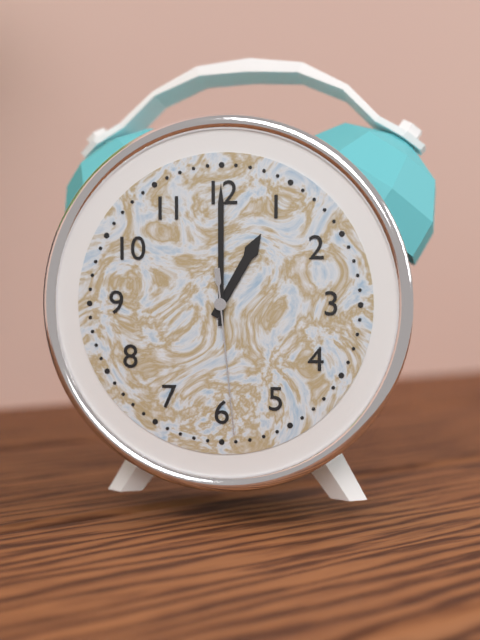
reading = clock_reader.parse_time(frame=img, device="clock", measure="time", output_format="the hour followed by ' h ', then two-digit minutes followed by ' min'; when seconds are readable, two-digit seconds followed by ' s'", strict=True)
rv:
1 h 00 min 29 s
